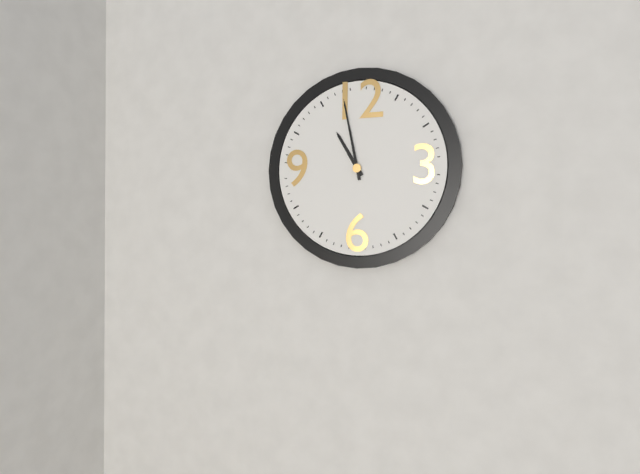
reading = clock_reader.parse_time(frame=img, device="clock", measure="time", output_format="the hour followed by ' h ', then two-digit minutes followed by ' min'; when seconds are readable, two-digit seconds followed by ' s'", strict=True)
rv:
10 h 58 min
